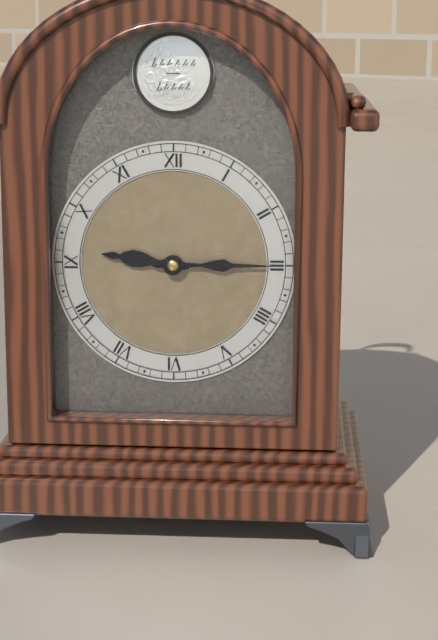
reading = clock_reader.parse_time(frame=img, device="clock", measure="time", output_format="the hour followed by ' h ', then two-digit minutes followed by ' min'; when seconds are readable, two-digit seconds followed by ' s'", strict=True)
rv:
9 h 15 min
